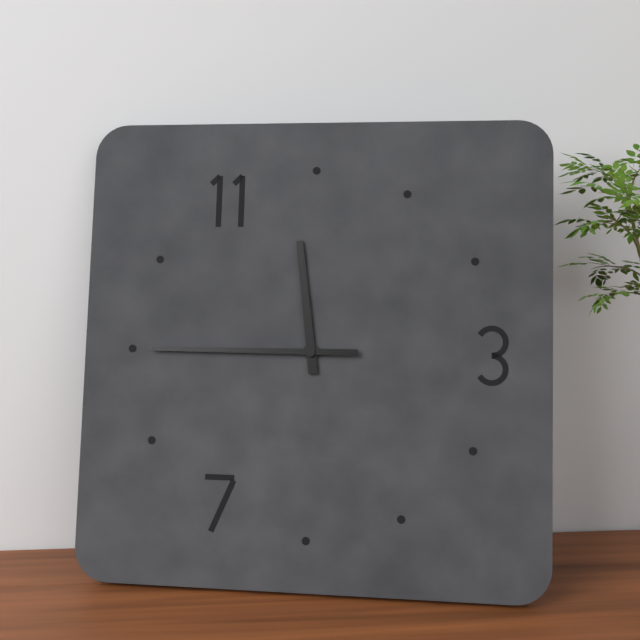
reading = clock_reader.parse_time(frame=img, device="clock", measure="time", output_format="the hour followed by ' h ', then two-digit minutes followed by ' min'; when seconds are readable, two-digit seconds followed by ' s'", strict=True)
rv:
11 h 45 min
